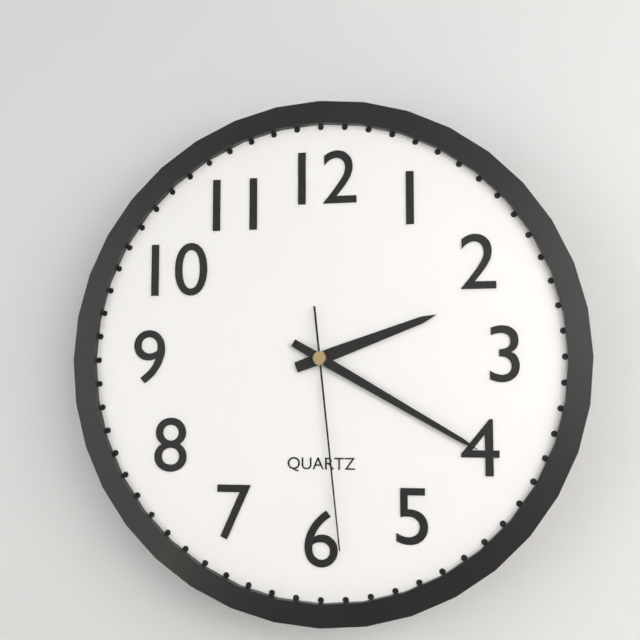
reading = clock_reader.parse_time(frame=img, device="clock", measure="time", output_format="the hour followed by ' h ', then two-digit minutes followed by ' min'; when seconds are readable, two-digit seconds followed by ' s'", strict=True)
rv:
2 h 20 min 29 s
